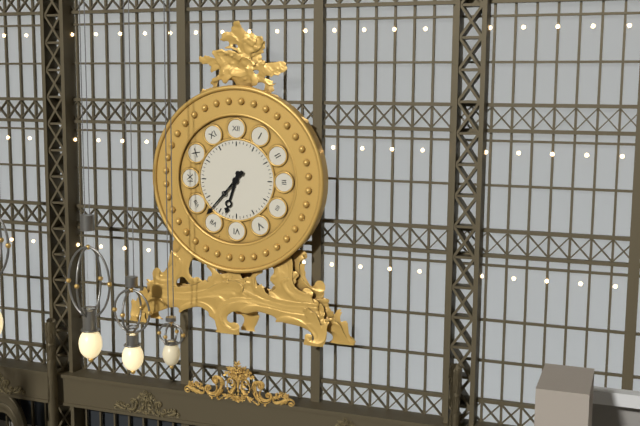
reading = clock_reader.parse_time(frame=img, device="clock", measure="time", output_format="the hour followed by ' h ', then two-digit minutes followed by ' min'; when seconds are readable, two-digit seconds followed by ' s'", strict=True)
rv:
6 h 37 min
